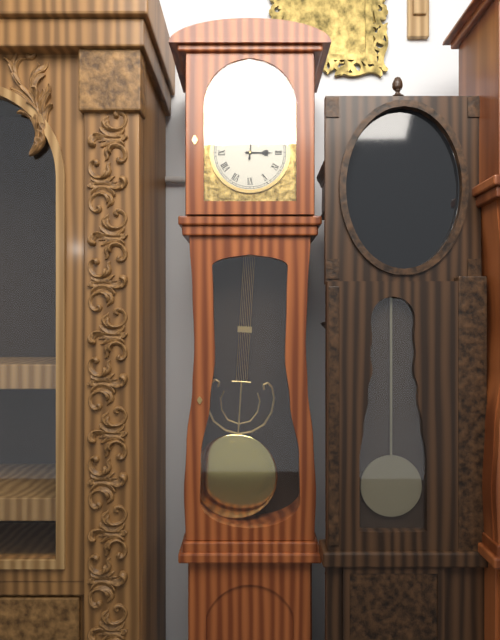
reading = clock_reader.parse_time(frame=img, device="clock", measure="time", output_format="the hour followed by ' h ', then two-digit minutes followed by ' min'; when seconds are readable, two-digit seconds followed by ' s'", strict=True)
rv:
3 h 01 min
